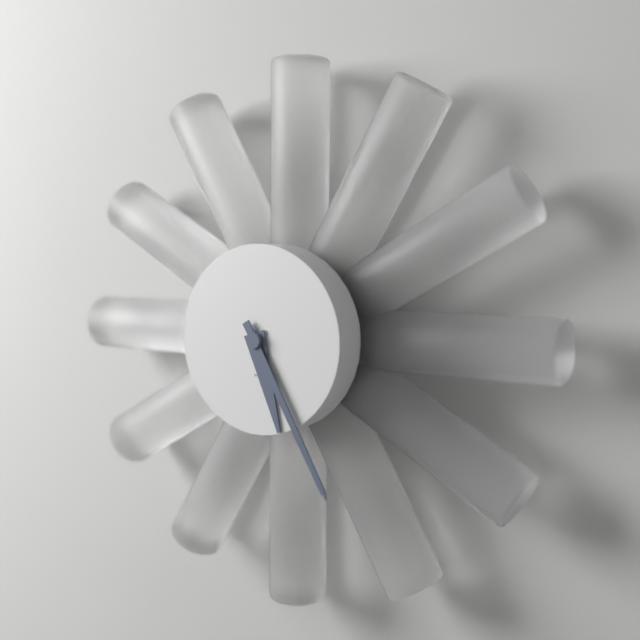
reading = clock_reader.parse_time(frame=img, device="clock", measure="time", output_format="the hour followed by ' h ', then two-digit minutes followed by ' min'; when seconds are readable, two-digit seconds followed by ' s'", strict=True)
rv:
5 h 25 min
